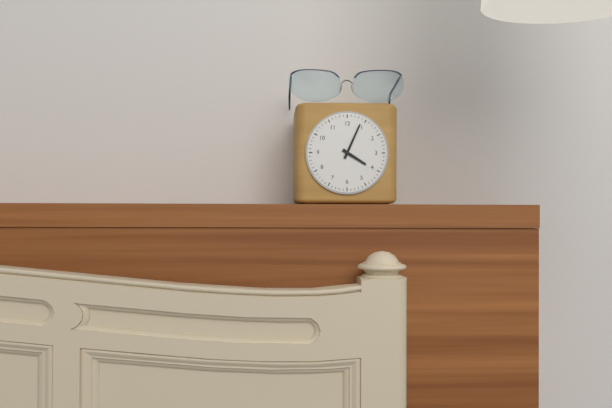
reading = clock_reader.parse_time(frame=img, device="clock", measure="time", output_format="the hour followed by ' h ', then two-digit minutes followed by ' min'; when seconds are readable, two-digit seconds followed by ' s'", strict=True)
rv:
4 h 04 min
